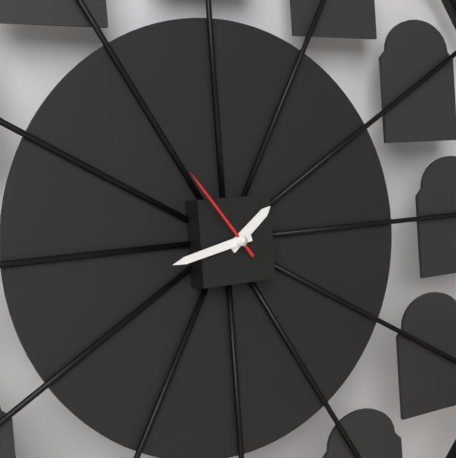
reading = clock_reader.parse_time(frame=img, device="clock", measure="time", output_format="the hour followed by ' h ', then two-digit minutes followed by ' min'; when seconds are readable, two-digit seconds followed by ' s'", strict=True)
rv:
1 h 43 min 54 s
